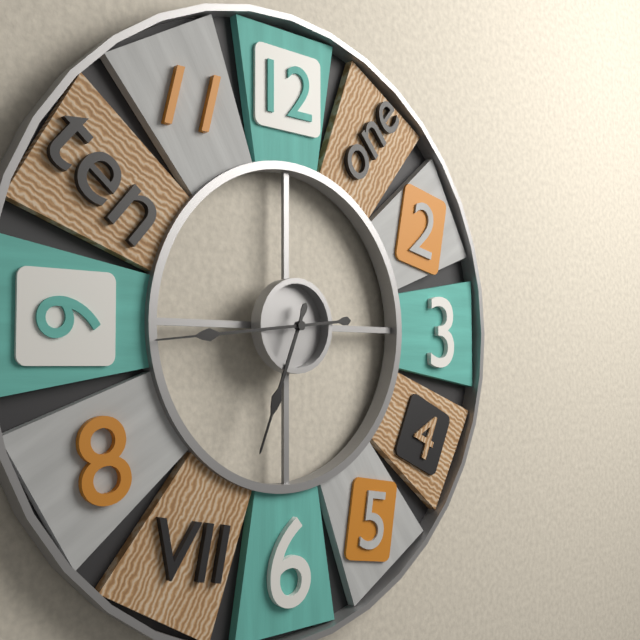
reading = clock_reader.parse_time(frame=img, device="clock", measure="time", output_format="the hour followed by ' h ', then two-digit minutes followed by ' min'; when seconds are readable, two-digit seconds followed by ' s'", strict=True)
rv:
6 h 44 min
